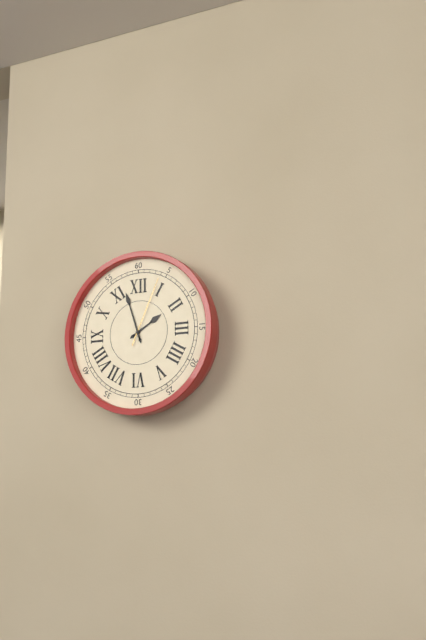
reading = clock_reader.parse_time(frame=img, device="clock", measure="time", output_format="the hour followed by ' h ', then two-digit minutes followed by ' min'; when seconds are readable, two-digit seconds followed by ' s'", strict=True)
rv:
1 h 57 min 04 s
